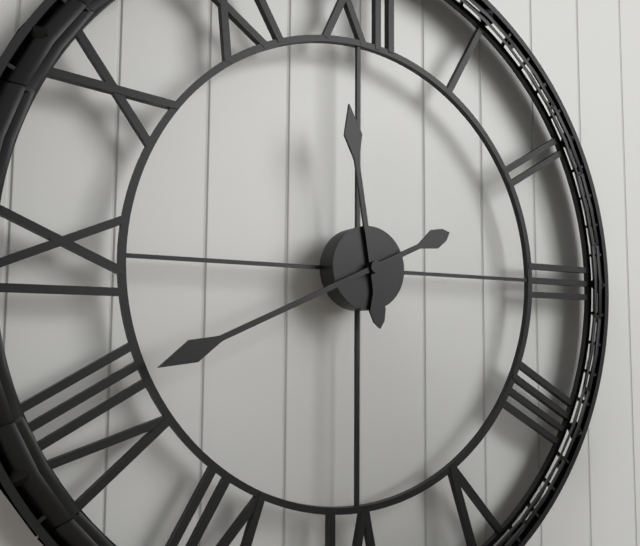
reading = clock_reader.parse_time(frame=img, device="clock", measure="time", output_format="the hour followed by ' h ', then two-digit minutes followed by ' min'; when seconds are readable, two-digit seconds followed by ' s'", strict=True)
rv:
11 h 41 min
